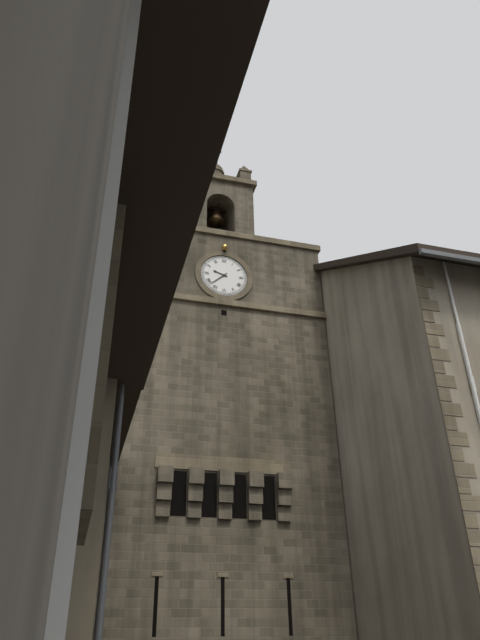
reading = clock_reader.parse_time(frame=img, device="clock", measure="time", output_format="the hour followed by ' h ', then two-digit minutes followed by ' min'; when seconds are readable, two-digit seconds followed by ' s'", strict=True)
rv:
9 h 38 min
